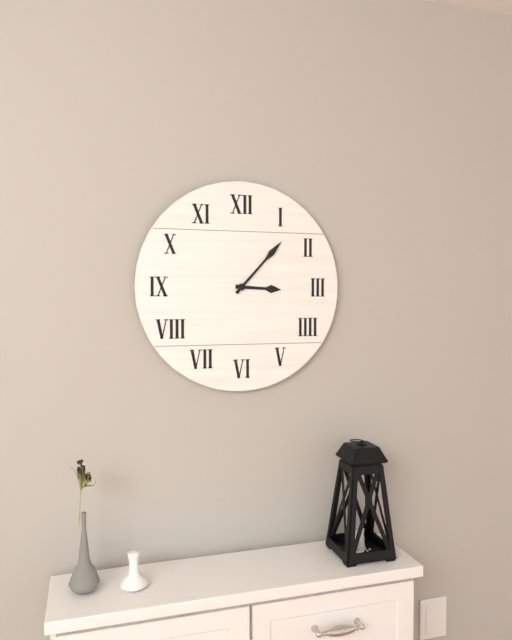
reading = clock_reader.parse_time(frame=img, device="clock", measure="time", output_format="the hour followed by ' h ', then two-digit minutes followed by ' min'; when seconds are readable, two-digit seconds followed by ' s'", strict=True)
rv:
3 h 07 min
